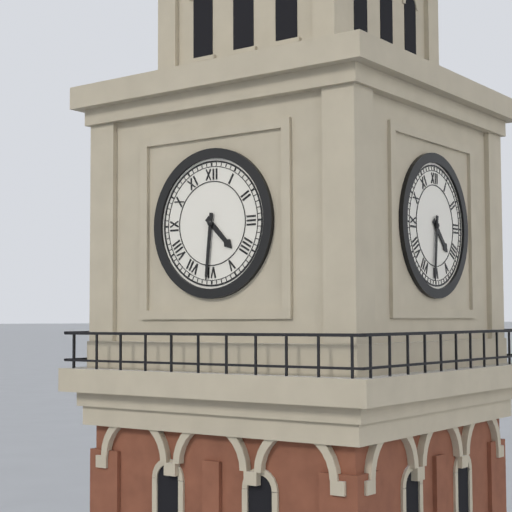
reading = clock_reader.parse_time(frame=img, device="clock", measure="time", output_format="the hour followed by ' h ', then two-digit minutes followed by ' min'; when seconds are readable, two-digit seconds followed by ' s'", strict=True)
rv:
4 h 31 min
